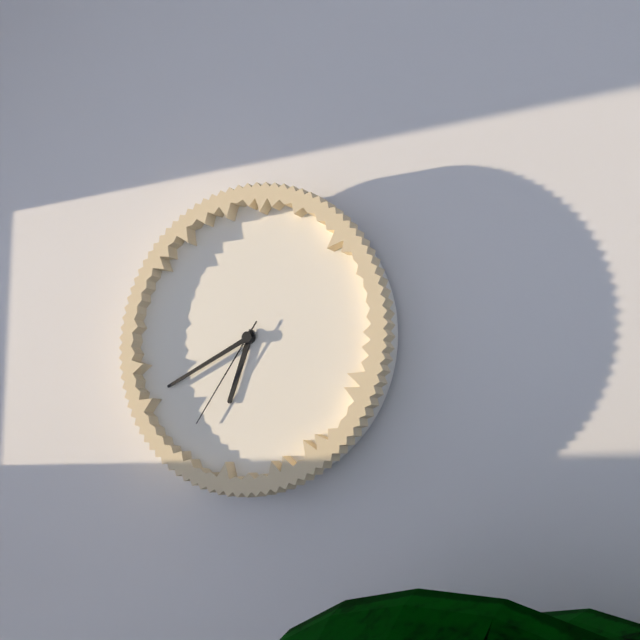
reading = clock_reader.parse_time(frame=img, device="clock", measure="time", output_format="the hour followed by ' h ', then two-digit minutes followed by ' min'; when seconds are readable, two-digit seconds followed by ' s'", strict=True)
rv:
6 h 41 min 36 s
